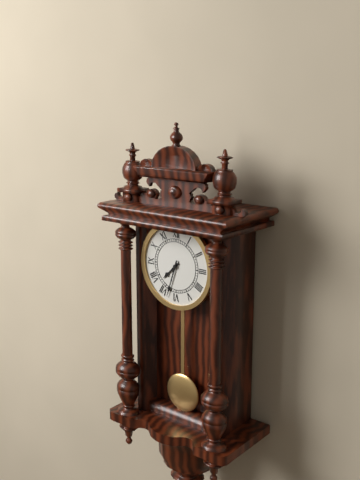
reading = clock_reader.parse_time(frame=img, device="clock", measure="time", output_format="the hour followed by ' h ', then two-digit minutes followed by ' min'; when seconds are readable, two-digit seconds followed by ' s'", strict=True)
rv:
7 h 33 min
